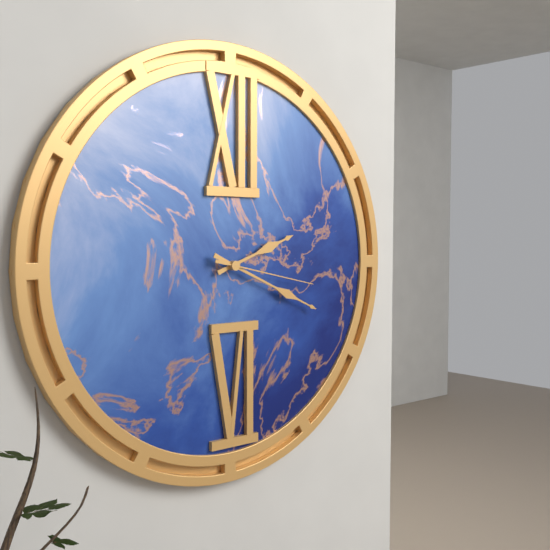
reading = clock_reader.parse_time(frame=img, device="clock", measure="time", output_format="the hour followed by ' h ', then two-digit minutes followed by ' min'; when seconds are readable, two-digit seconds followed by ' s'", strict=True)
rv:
2 h 19 min 17 s
